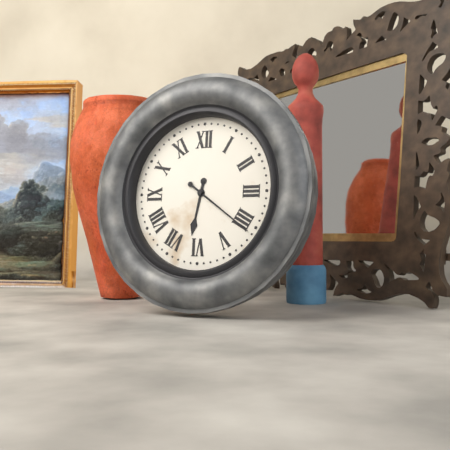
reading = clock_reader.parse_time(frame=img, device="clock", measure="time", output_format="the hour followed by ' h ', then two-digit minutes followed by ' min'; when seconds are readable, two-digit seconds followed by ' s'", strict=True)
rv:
6 h 21 min
